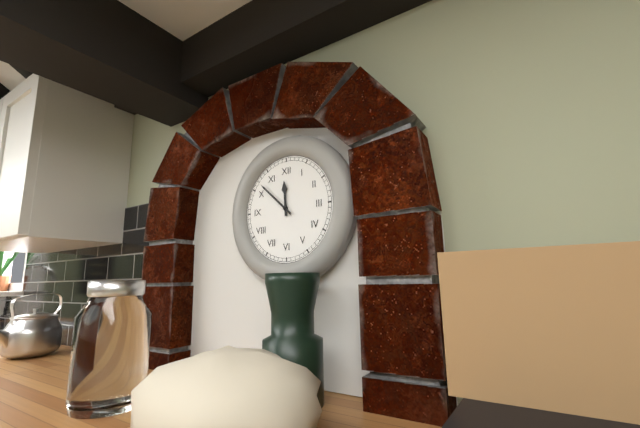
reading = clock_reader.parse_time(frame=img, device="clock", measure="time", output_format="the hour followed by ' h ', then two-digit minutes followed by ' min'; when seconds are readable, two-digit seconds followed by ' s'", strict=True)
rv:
11 h 52 min
